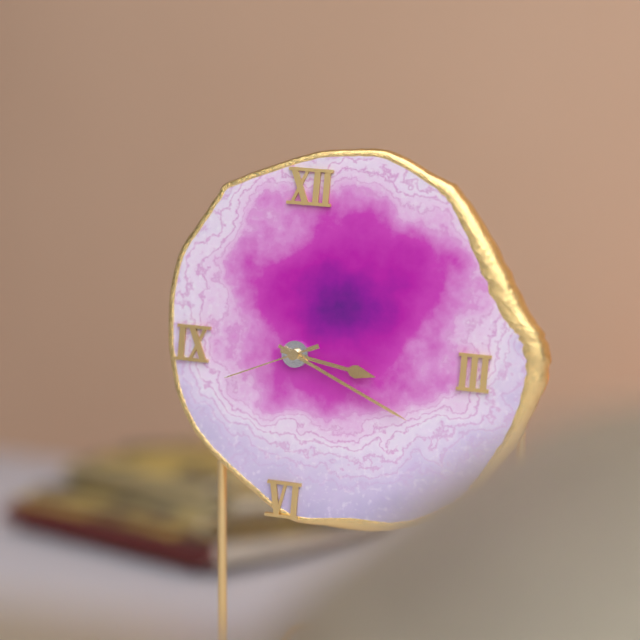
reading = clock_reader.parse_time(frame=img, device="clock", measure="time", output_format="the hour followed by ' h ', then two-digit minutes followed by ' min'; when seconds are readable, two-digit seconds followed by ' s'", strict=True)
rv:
3 h 19 min 41 s
